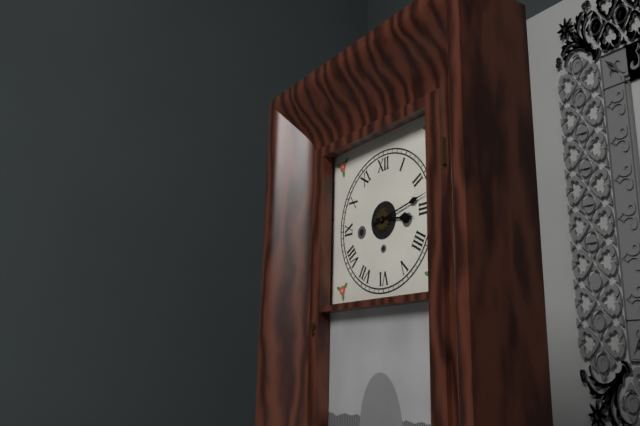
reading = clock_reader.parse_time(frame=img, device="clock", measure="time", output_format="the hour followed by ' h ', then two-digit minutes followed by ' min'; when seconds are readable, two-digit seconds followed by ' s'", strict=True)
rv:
3 h 13 min
